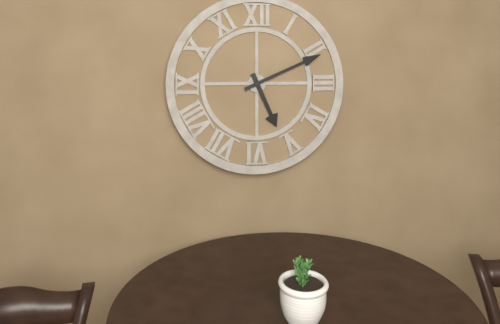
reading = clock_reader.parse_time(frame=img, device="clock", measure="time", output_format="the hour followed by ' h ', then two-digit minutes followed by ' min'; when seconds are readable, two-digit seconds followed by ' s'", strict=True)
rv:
5 h 11 min
